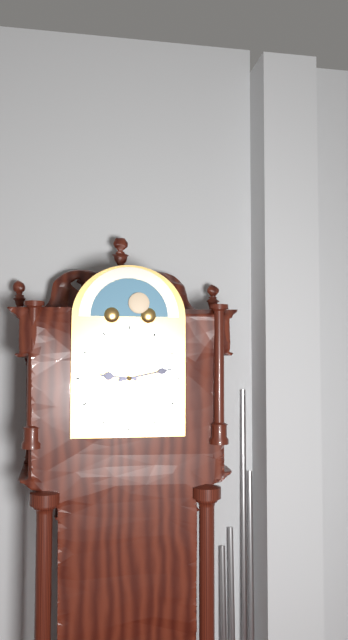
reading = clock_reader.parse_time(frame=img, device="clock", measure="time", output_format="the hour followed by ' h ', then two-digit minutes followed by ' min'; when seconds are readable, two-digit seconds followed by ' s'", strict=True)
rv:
9 h 13 min
